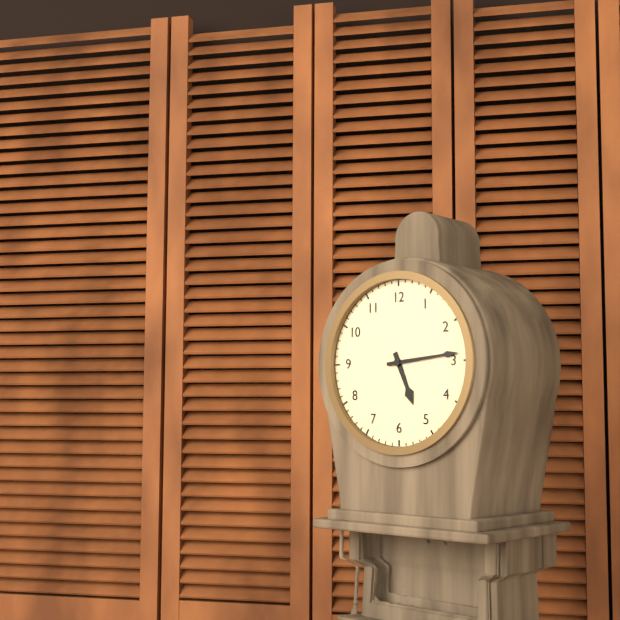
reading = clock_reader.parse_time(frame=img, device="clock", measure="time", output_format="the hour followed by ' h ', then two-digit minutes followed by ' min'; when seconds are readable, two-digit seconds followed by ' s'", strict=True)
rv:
5 h 14 min
